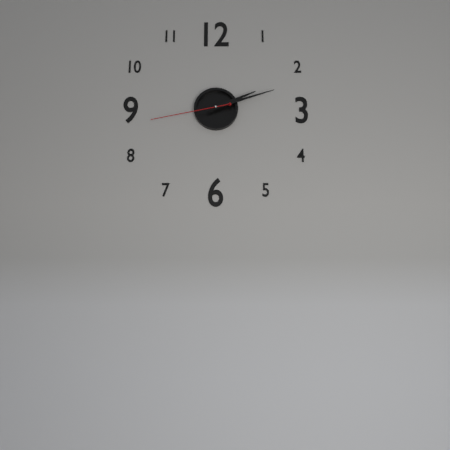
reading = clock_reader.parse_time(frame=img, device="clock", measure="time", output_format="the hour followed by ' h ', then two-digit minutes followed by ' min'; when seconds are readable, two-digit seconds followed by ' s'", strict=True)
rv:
2 h 12 min 43 s
